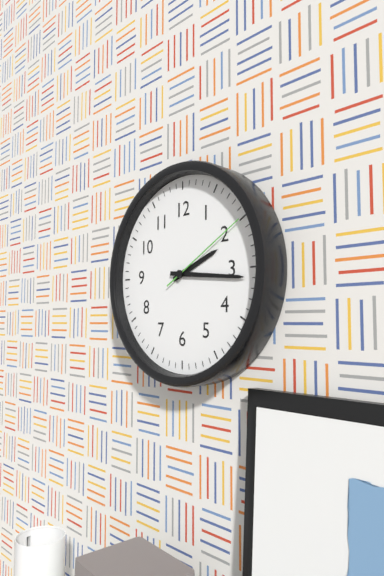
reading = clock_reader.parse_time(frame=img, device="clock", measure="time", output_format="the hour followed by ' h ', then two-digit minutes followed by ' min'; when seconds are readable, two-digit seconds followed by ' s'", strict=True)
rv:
2 h 16 min 10 s
